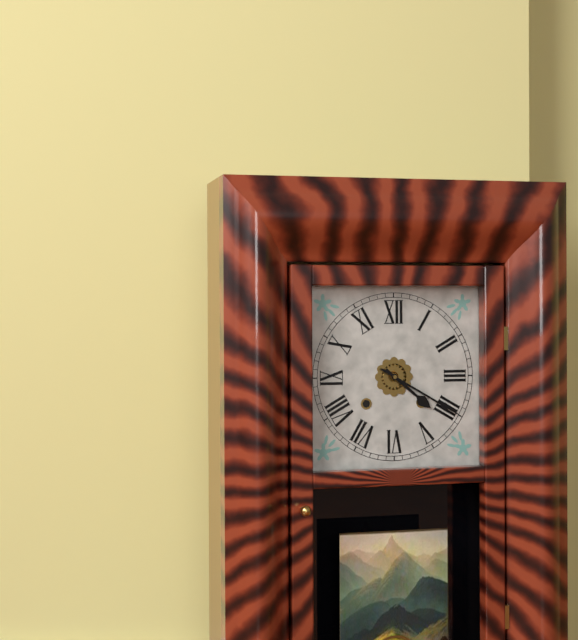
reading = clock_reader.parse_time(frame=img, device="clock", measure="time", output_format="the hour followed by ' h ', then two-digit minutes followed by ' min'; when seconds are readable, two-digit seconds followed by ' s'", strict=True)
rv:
4 h 20 min
